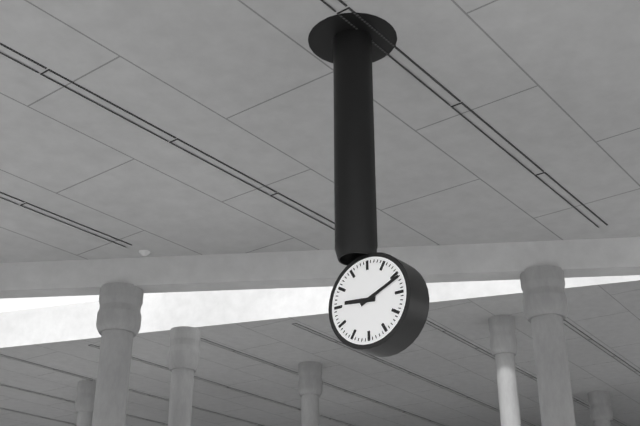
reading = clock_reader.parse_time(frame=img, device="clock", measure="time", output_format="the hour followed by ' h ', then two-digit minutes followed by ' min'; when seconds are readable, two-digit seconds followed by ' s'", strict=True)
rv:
9 h 11 min
